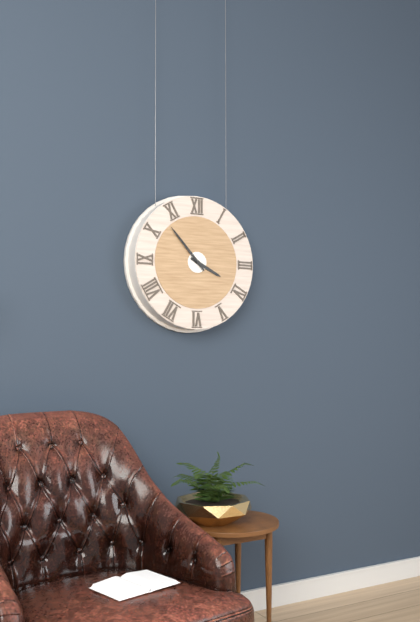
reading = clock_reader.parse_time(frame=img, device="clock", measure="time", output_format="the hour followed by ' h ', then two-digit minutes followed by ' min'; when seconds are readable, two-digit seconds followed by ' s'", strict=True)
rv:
3 h 53 min
